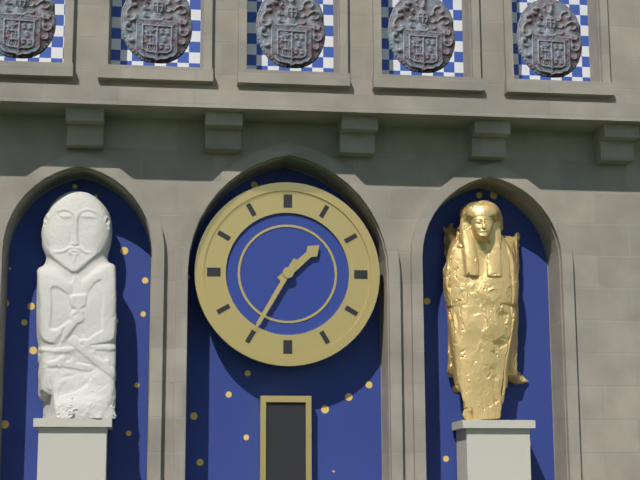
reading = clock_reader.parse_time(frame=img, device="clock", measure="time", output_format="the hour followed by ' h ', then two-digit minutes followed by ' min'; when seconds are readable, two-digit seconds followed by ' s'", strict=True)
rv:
1 h 35 min
